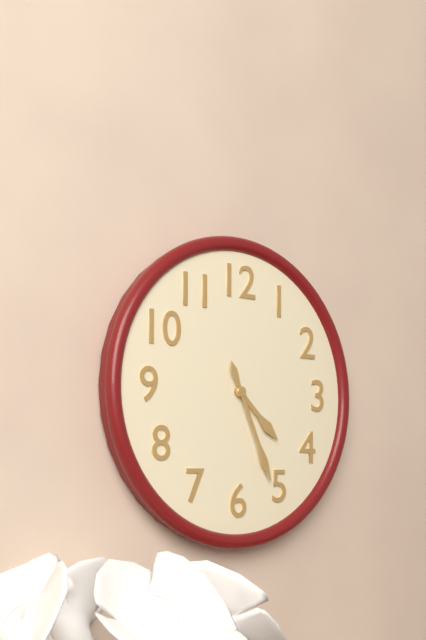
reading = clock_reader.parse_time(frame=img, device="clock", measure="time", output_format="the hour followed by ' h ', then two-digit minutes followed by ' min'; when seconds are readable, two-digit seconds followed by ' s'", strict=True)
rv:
4 h 26 min
